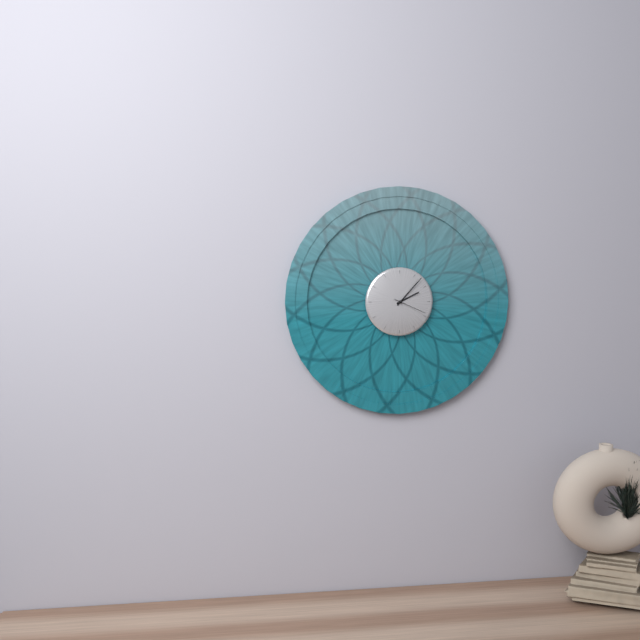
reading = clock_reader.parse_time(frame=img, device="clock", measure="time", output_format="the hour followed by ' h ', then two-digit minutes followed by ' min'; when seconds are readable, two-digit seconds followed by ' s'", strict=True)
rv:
2 h 07 min
